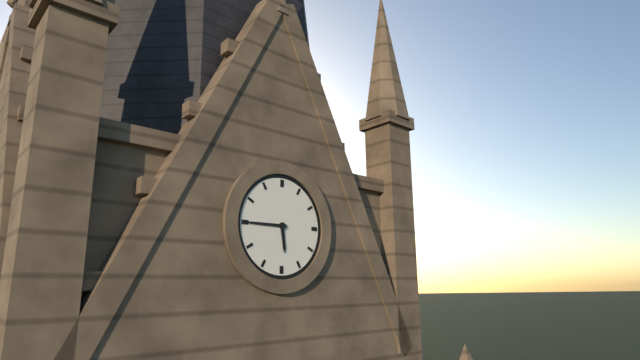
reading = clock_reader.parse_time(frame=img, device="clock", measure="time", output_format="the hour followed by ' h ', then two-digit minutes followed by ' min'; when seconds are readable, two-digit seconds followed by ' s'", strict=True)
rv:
5 h 45 min
